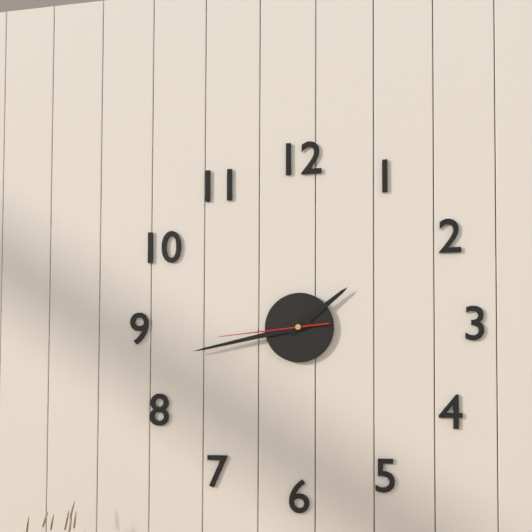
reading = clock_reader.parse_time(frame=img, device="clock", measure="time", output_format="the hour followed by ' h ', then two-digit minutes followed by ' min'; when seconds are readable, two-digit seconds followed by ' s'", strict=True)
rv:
1 h 43 min 44 s
